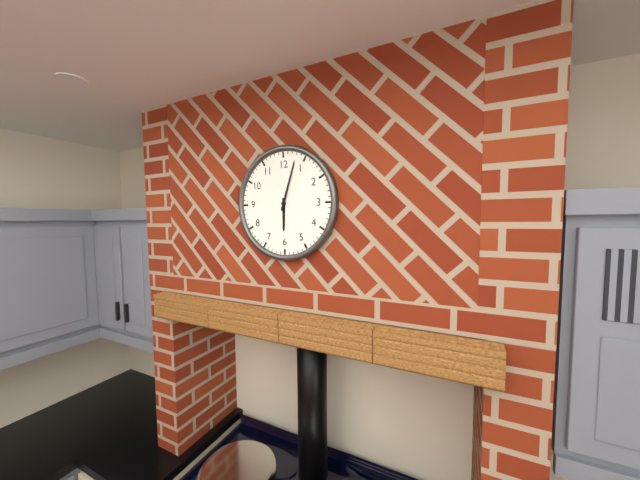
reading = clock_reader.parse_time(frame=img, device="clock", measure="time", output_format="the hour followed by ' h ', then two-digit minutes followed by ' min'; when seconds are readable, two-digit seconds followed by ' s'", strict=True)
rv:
6 h 03 min
